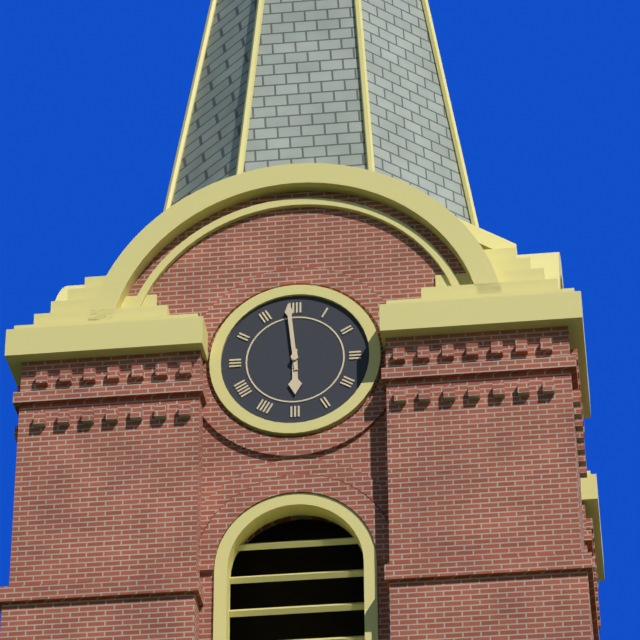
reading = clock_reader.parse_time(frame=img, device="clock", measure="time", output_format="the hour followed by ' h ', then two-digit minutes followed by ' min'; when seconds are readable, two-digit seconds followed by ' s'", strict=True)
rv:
5 h 59 min
